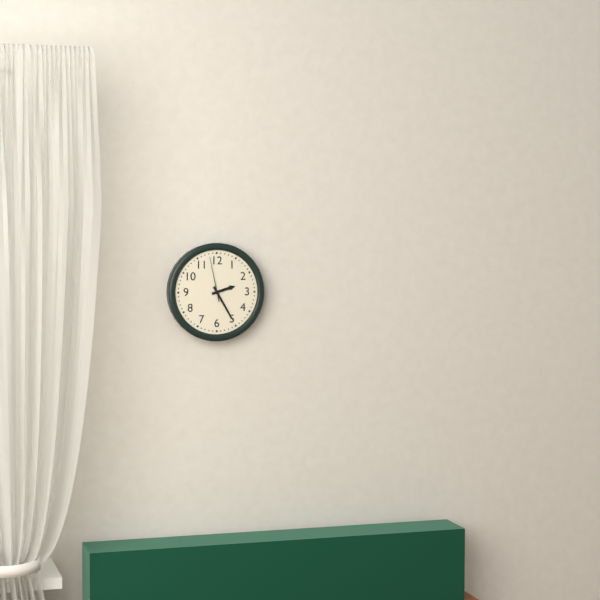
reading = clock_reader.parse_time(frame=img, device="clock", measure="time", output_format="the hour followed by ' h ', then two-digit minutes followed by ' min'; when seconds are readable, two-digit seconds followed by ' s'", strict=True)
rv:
2 h 25 min
